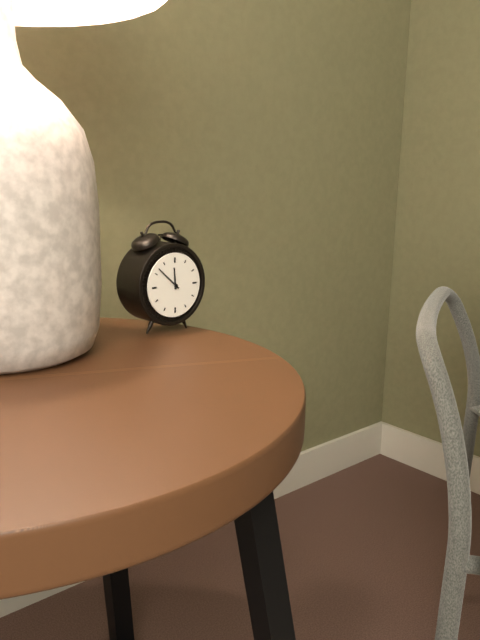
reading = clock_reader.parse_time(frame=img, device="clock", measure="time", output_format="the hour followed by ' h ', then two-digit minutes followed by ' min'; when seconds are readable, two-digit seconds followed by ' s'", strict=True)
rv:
11 h 52 min
